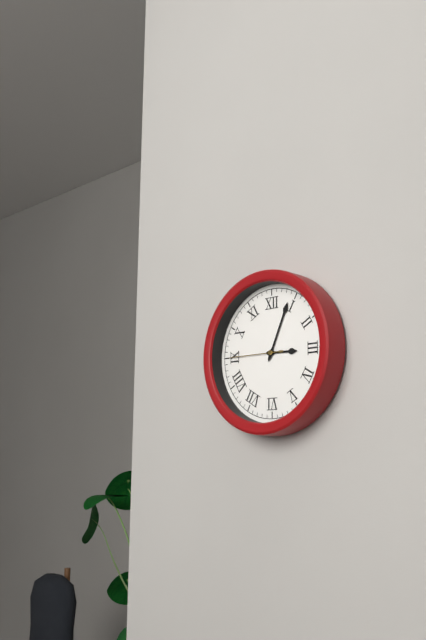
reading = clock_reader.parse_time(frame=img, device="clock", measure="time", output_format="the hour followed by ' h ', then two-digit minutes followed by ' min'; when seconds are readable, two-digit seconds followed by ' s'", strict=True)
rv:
3 h 04 min 45 s
